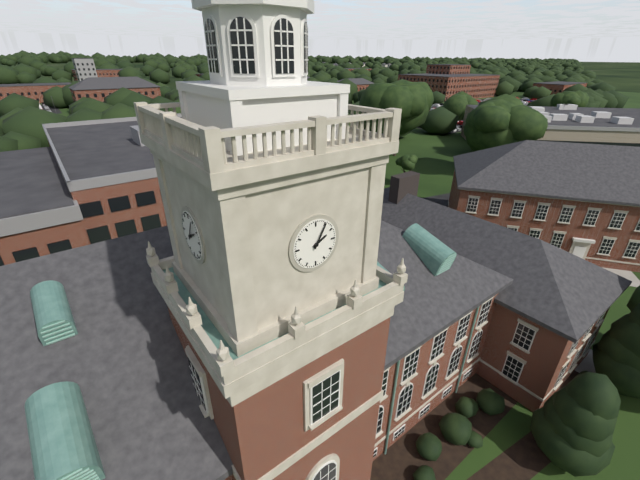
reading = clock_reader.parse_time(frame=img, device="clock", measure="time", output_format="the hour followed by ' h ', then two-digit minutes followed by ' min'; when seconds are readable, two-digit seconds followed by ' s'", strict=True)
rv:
2 h 05 min
